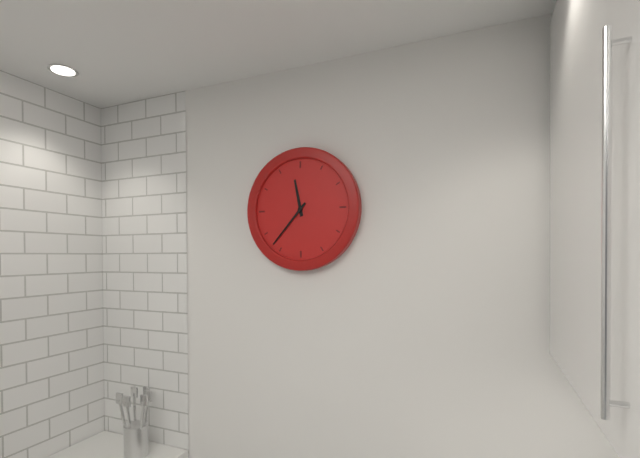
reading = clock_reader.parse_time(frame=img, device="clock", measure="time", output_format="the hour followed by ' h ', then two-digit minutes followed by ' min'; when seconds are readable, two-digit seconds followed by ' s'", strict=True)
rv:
11 h 37 min
